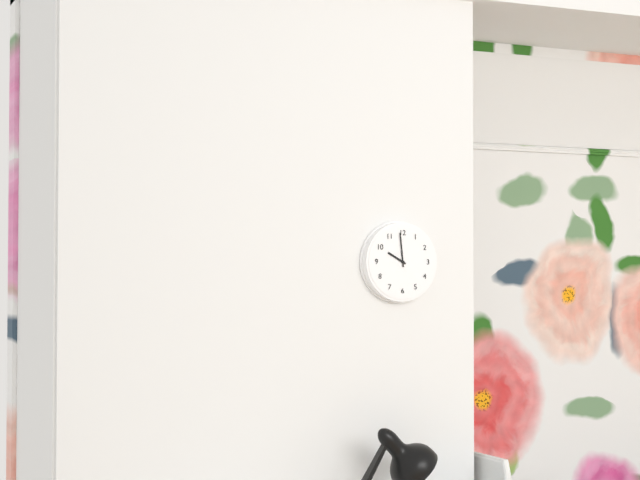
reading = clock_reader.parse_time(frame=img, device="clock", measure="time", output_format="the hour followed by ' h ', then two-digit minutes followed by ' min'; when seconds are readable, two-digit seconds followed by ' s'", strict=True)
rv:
9 h 59 min
